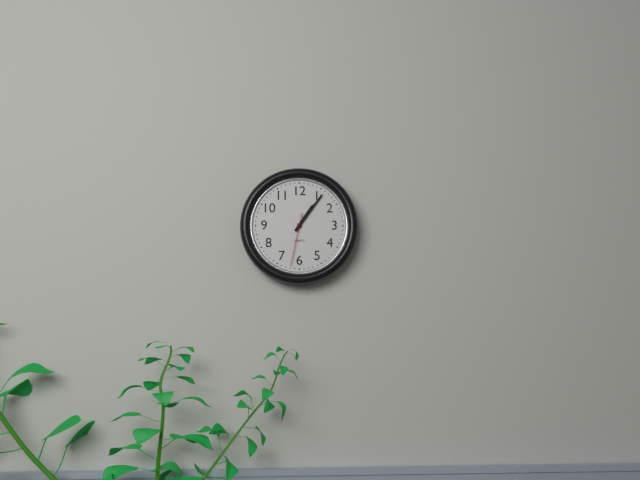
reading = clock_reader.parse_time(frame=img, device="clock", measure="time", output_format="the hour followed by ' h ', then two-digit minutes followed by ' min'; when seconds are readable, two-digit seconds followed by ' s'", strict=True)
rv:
1 h 06 min 32 s
